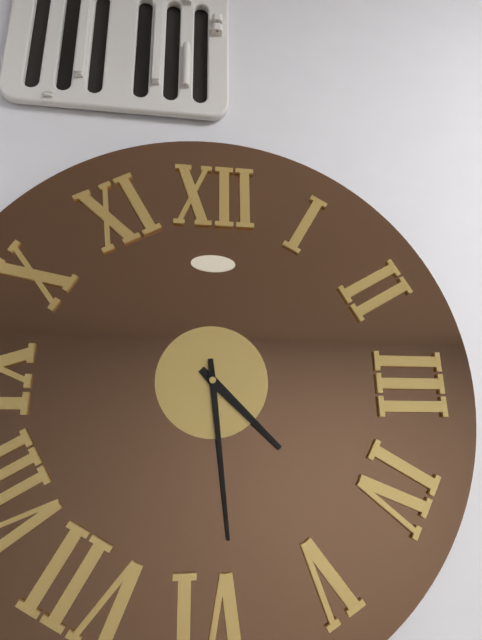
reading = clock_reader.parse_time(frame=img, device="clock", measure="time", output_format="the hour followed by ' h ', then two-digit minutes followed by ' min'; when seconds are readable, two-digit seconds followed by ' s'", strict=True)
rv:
4 h 29 min
